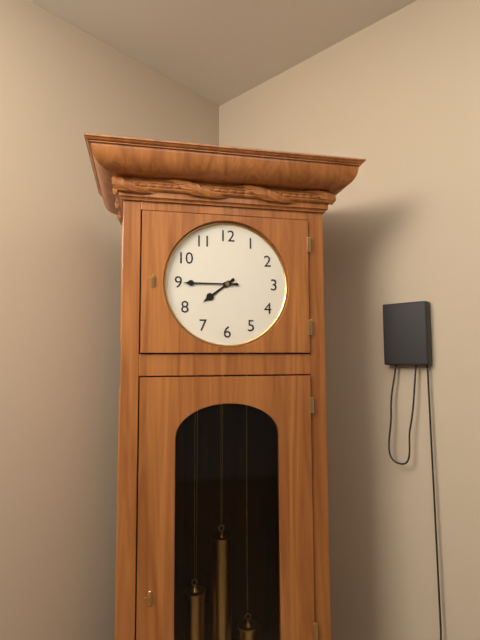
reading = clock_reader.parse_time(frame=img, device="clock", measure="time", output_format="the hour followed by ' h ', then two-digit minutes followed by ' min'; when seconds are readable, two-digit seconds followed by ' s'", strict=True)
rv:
7 h 45 min
